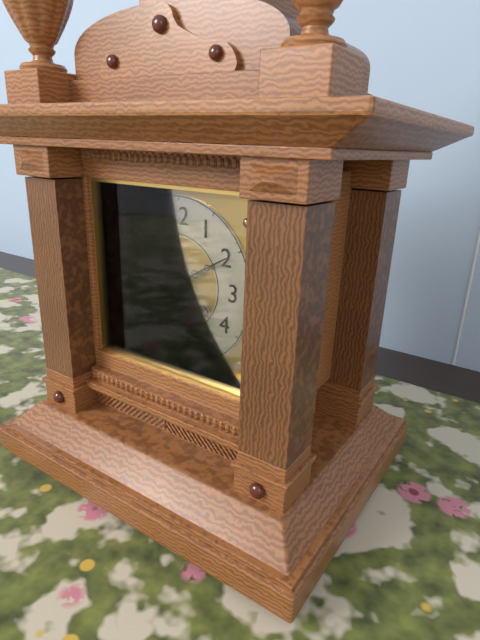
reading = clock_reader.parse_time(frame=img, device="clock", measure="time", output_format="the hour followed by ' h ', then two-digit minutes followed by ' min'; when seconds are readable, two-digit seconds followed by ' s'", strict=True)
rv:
4 h 10 min
